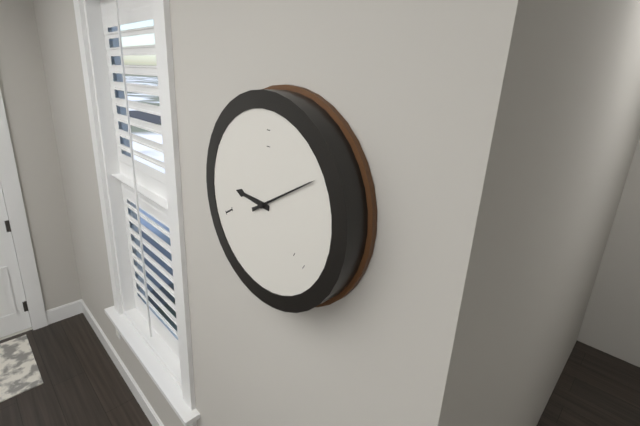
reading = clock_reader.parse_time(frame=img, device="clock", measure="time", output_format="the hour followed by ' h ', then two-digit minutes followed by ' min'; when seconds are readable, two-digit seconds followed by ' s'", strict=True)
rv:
9 h 10 min
